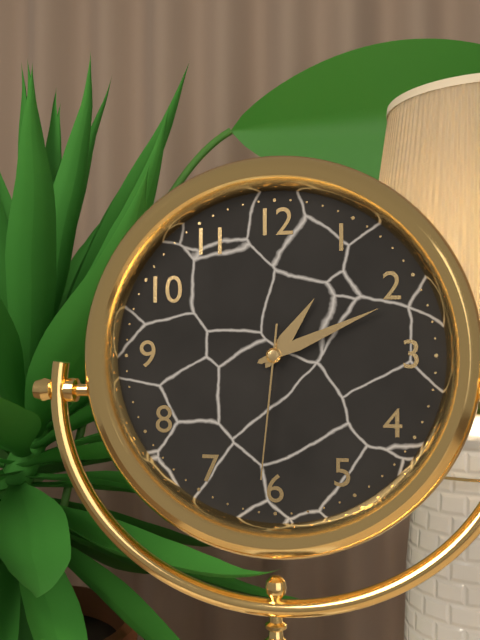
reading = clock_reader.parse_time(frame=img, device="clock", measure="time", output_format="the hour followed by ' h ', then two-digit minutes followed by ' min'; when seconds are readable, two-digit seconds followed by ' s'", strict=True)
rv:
1 h 11 min 31 s
